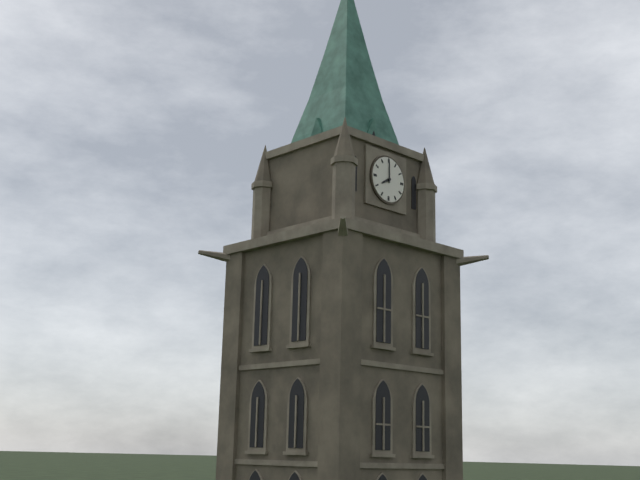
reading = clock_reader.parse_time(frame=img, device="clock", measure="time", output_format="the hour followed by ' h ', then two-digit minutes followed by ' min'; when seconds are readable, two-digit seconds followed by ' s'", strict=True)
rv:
8 h 00 min
